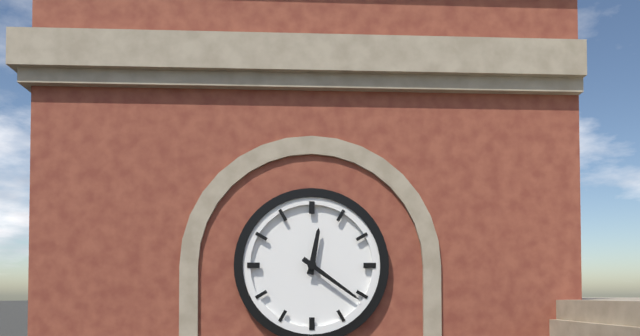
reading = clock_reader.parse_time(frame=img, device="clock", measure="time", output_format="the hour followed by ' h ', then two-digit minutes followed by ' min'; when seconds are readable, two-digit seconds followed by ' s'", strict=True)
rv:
12 h 21 min
